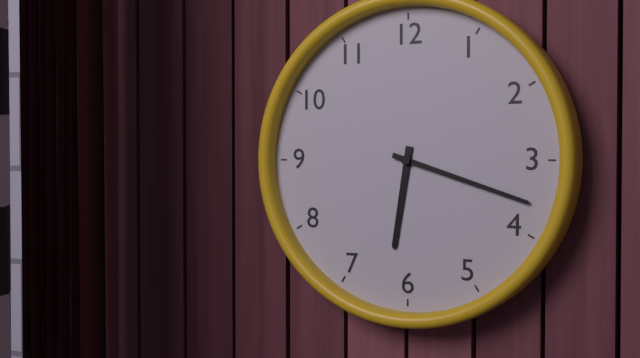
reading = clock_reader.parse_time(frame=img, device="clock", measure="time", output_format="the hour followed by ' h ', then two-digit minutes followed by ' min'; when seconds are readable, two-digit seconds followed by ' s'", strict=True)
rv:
6 h 18 min
